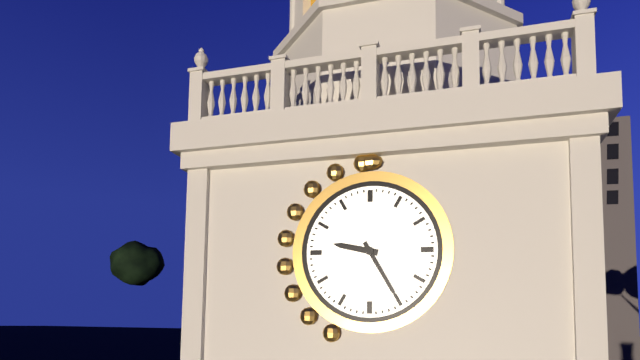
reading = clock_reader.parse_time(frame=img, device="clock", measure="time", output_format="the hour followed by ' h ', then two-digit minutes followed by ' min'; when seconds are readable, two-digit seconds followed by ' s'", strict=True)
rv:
9 h 25 min
